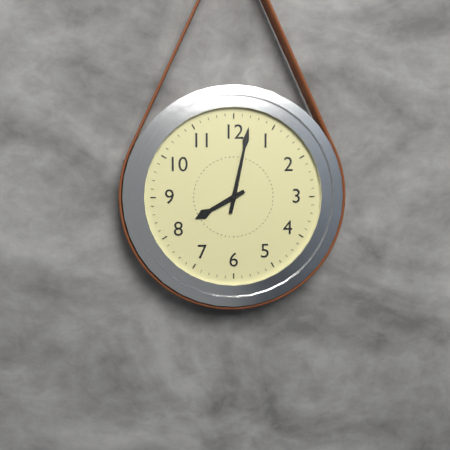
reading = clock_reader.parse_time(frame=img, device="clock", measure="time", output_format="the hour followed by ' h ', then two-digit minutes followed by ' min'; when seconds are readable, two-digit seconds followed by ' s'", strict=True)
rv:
8 h 02 min
